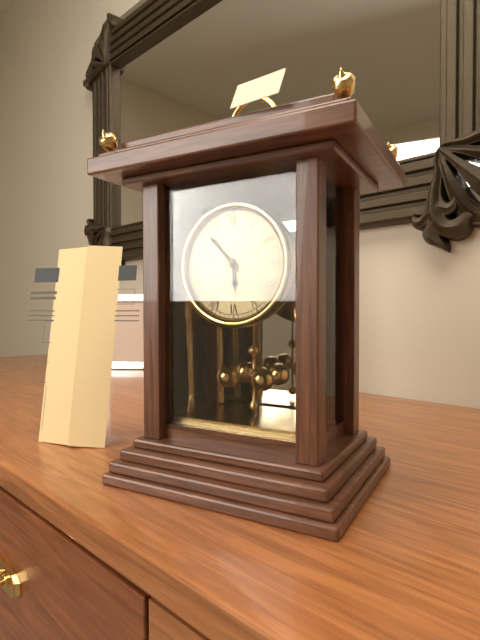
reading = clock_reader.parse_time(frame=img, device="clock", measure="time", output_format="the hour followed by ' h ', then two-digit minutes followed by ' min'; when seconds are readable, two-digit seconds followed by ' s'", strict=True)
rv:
5 h 53 min
